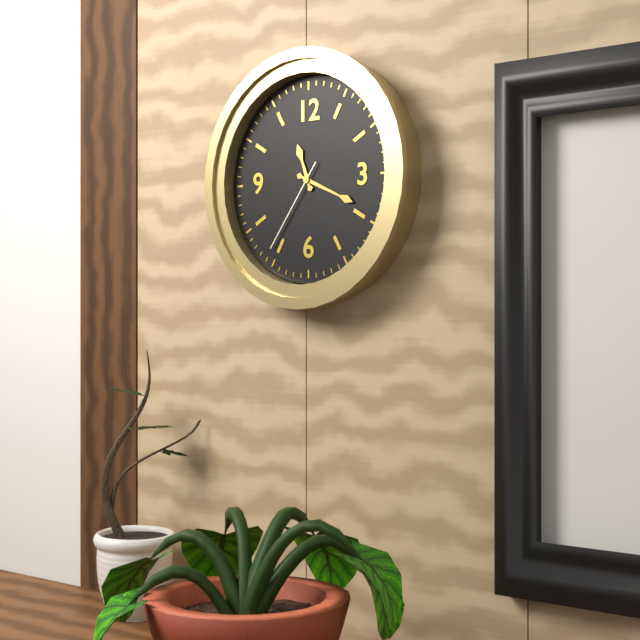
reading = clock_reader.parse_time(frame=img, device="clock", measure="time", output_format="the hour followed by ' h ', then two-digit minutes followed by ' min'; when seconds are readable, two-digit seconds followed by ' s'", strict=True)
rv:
11 h 19 min 36 s
